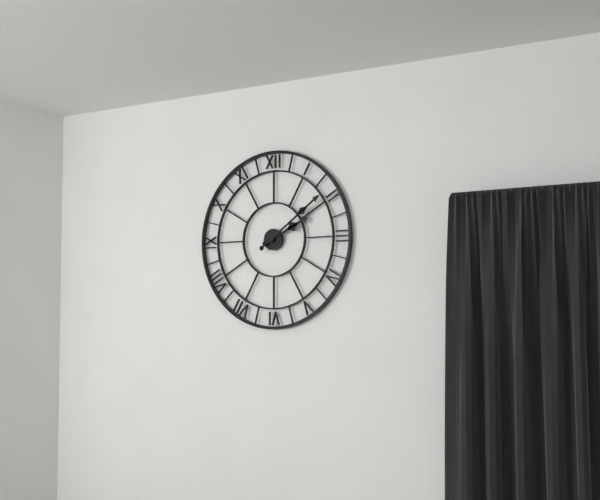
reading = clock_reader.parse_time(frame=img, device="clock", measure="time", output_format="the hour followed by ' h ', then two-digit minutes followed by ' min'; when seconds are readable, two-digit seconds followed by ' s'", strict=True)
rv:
2 h 09 min
